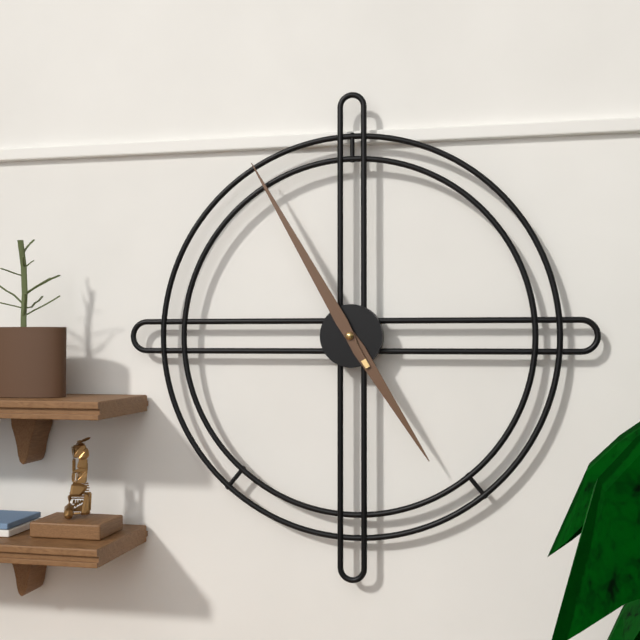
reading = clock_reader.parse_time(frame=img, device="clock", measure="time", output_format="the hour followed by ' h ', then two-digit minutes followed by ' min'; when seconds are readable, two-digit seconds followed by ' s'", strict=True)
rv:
4 h 55 min
